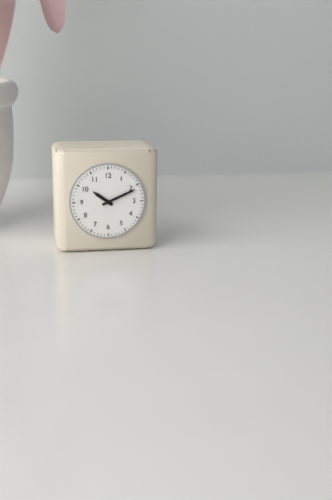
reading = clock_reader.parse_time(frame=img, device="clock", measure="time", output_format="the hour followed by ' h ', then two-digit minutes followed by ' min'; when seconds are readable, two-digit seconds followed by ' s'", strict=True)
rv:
10 h 11 min
